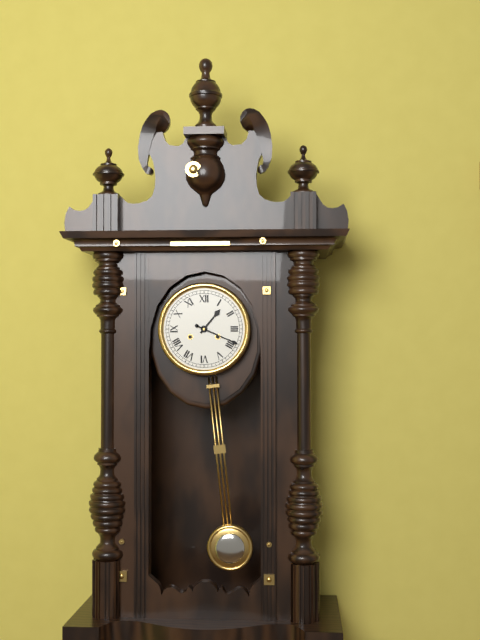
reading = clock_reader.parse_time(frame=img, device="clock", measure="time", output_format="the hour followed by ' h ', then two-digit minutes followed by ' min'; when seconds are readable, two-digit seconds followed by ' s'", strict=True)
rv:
1 h 19 min
